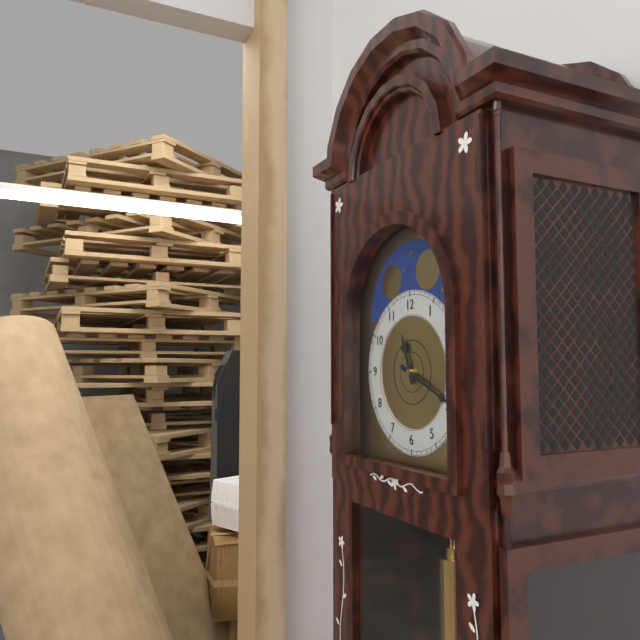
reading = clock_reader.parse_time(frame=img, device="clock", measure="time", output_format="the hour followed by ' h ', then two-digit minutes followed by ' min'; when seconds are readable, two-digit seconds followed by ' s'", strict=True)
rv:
11 h 19 min
